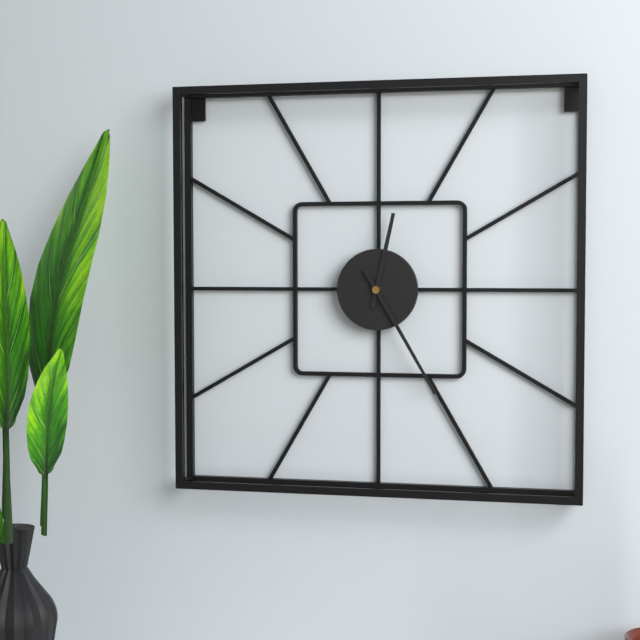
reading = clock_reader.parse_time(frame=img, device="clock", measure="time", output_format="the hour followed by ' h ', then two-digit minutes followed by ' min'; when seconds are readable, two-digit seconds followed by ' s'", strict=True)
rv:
12 h 25 min
